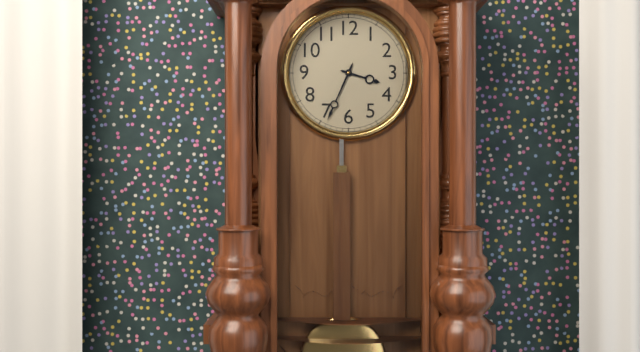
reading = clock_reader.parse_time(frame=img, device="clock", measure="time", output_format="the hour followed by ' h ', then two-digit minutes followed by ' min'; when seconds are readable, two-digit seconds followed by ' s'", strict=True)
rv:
3 h 34 min
